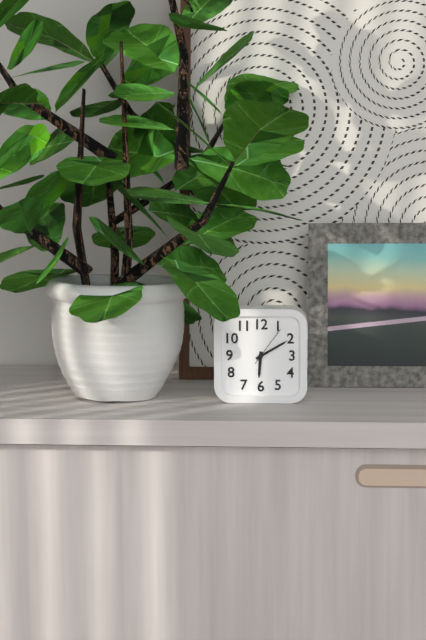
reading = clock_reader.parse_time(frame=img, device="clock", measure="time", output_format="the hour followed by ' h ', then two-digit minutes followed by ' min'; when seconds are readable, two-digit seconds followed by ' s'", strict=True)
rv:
6 h 10 min
